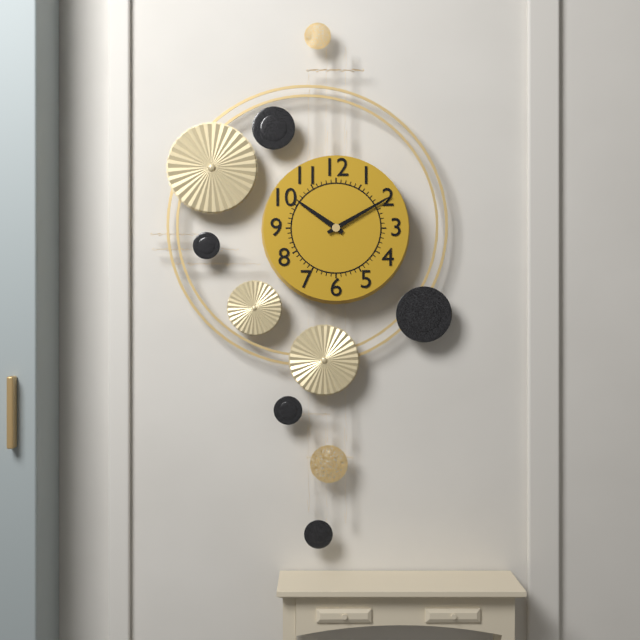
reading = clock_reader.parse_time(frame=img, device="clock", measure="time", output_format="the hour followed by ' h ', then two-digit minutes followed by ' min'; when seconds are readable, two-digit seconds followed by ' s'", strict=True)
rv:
10 h 10 min
